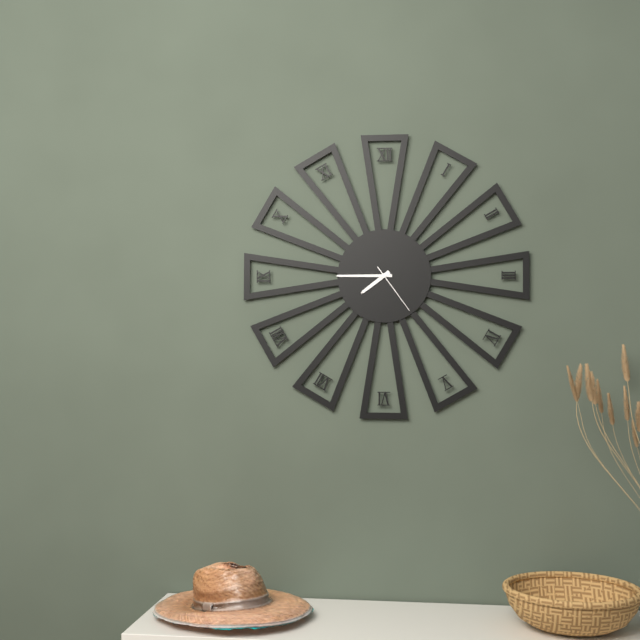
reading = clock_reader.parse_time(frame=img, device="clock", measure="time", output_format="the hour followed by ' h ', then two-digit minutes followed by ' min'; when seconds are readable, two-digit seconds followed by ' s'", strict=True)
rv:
7 h 45 min 24 s
